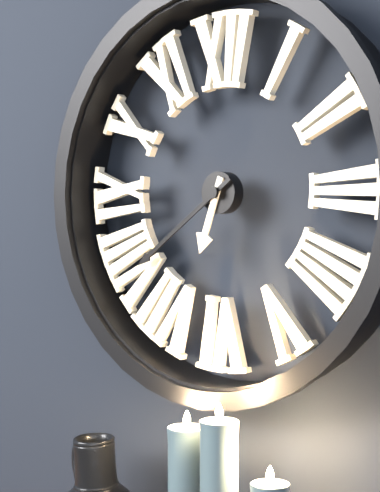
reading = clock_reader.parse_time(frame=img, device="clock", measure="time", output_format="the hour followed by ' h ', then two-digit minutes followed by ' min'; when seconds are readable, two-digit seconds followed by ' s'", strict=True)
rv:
6 h 39 min
